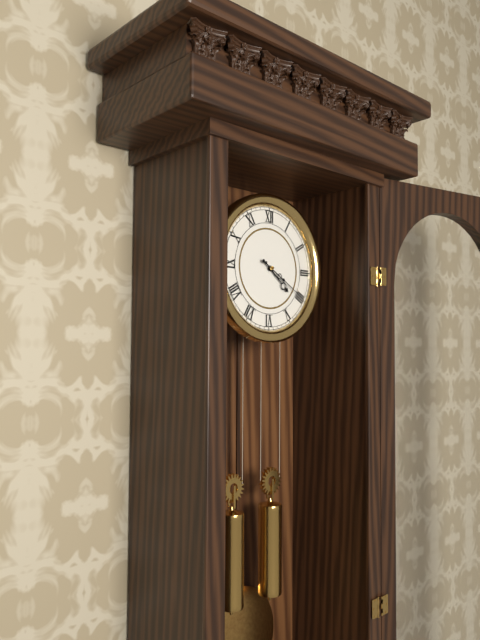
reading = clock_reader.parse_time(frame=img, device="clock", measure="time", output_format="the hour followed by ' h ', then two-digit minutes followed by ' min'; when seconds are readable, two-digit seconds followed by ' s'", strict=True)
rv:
4 h 20 min
